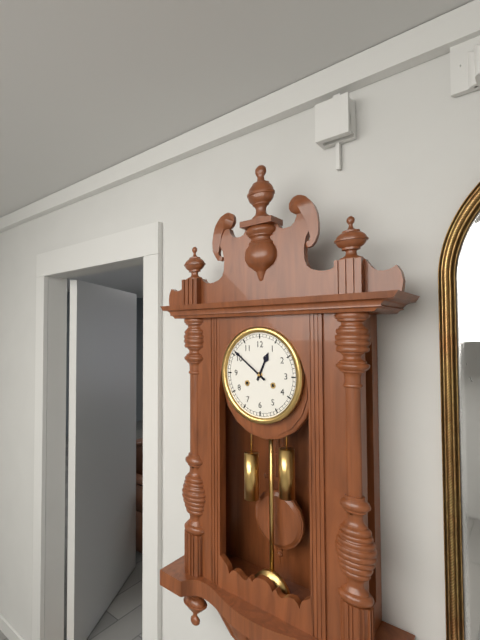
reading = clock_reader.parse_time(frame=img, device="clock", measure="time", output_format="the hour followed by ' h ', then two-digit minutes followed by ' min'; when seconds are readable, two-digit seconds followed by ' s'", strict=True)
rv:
12 h 51 min
